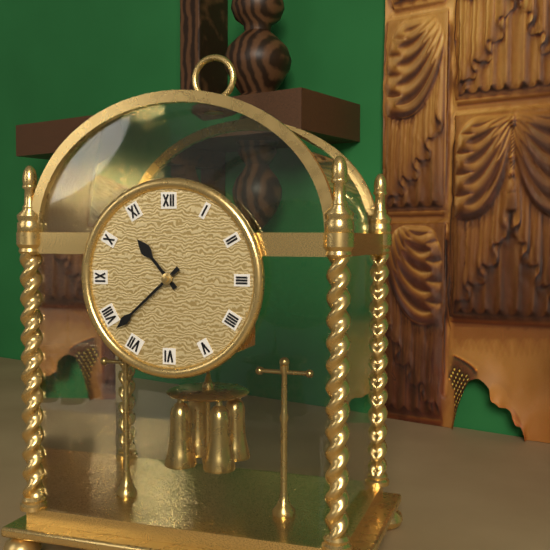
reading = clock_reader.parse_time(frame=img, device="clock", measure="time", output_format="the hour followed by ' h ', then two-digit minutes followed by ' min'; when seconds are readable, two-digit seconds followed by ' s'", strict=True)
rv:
10 h 38 min
